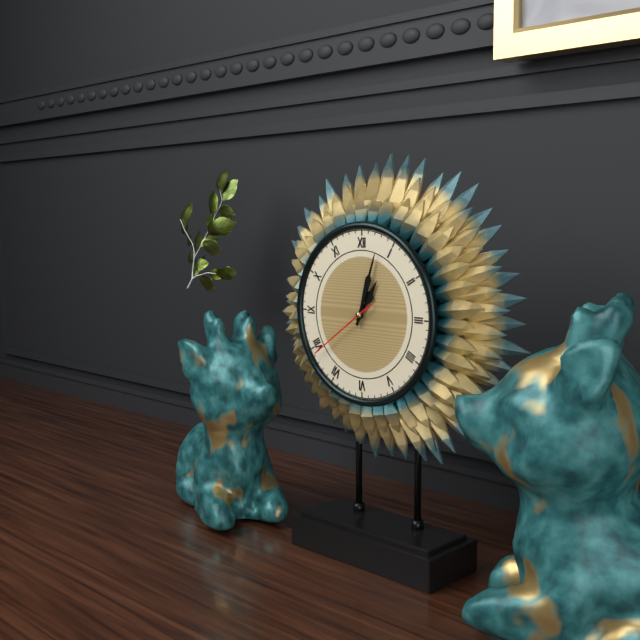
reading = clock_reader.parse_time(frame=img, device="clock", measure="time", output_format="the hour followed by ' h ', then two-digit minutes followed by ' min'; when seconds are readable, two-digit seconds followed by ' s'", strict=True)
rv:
1 h 03 min 39 s
